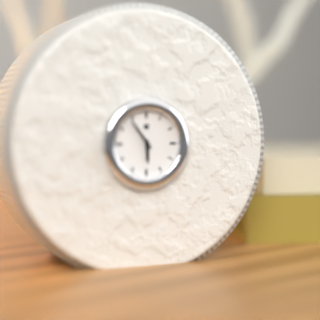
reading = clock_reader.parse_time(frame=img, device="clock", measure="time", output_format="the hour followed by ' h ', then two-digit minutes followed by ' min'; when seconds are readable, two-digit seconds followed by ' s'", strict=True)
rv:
5 h 54 min
